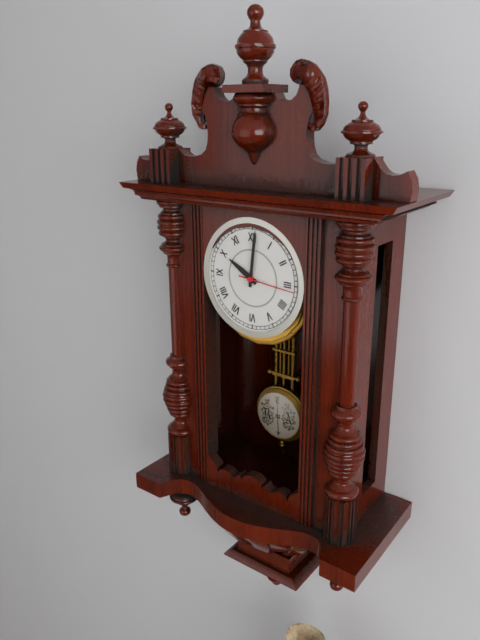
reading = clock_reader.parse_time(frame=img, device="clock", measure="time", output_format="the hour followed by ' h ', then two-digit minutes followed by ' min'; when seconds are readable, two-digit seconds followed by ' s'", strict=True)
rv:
10 h 01 min 16 s
